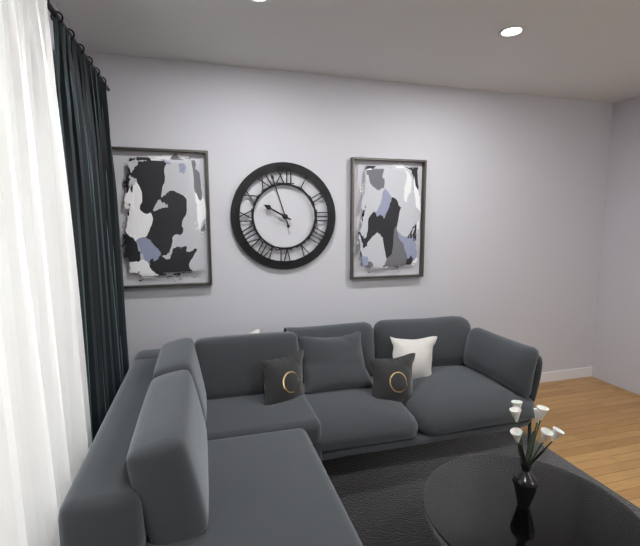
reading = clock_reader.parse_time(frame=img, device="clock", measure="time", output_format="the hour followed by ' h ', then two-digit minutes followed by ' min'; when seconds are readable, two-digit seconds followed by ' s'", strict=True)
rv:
9 h 57 min
